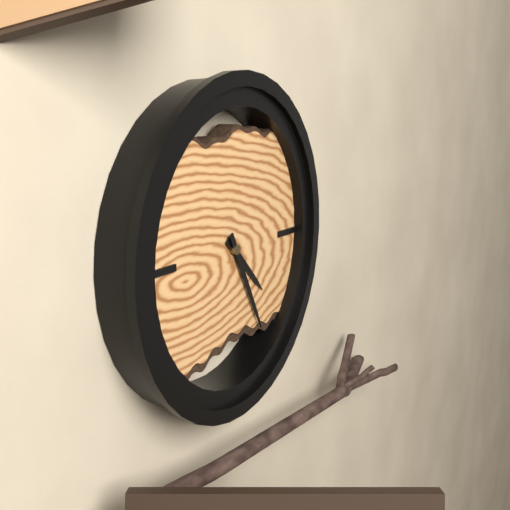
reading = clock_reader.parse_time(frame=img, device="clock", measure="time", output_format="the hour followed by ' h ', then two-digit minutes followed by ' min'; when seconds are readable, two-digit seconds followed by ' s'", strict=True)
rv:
4 h 25 min
